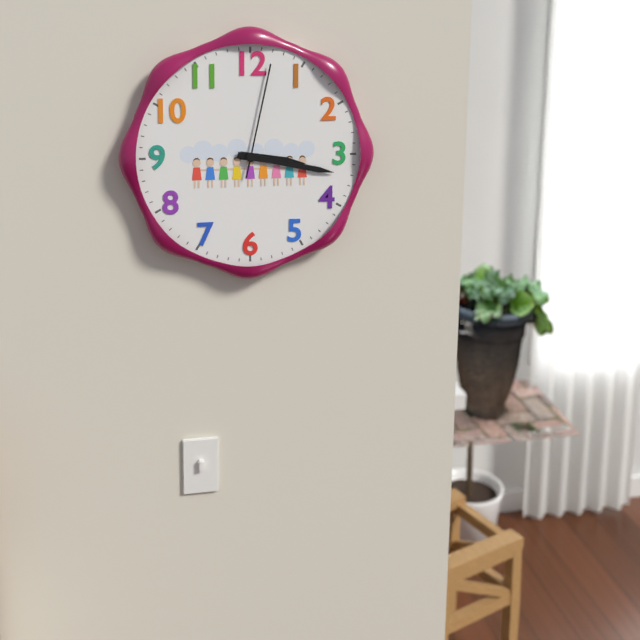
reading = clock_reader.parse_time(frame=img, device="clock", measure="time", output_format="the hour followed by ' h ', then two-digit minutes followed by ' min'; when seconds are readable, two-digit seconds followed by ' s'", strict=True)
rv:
3 h 17 min 02 s
